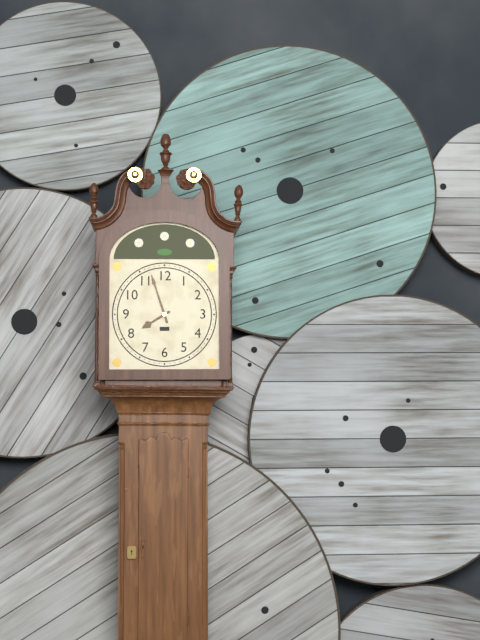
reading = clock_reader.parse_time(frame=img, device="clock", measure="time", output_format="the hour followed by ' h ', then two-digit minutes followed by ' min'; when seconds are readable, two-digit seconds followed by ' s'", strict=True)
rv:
7 h 57 min
